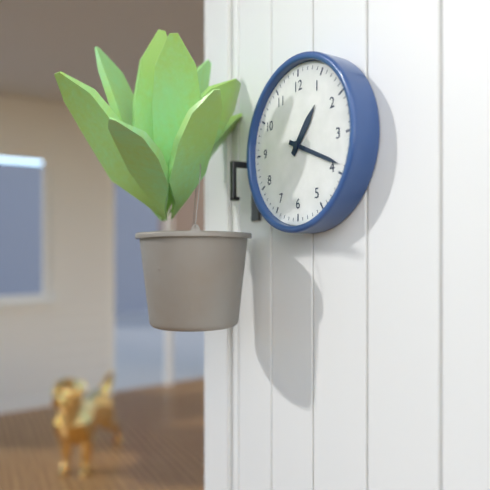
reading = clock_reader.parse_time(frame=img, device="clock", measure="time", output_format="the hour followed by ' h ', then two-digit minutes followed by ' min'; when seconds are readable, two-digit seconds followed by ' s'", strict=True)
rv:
1 h 19 min
